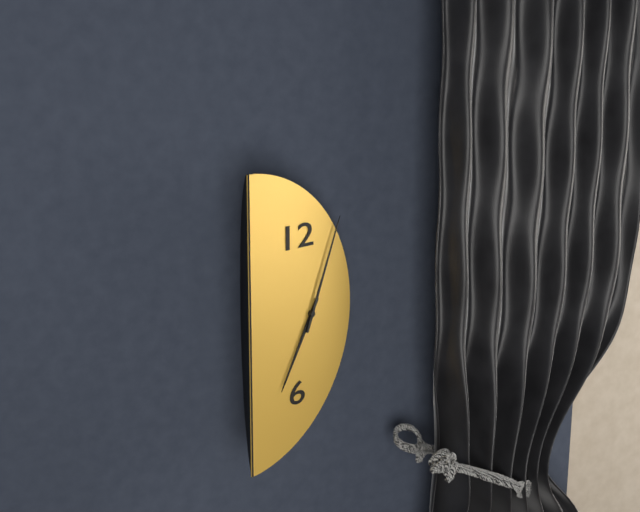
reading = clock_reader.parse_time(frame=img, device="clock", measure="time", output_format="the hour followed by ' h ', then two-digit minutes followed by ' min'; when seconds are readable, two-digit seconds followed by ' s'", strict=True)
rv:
7 h 04 min
